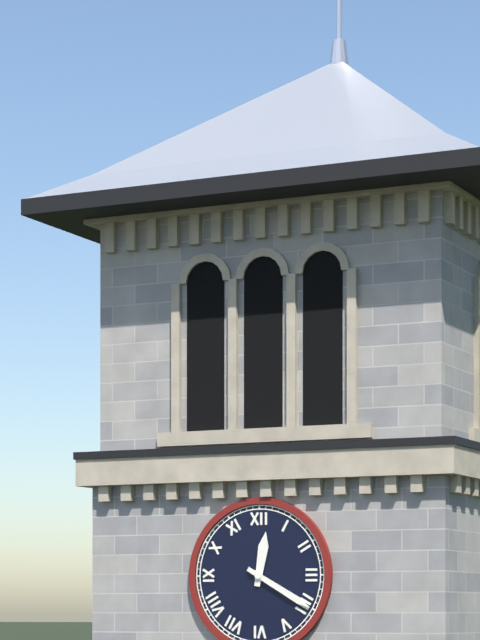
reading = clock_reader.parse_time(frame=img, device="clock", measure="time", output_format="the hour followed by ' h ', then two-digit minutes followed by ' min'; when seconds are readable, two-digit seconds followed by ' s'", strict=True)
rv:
12 h 20 min
